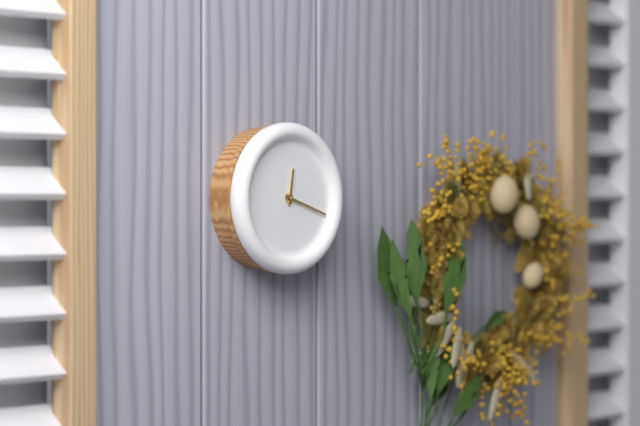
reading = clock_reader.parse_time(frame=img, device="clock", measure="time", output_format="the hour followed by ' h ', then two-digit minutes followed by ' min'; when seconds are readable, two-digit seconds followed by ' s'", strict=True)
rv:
12 h 18 min
